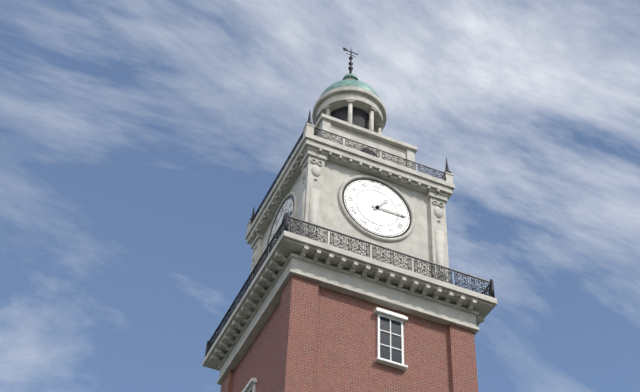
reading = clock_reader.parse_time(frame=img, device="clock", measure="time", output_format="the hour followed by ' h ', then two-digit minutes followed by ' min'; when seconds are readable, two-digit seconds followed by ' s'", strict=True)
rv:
1 h 15 min
